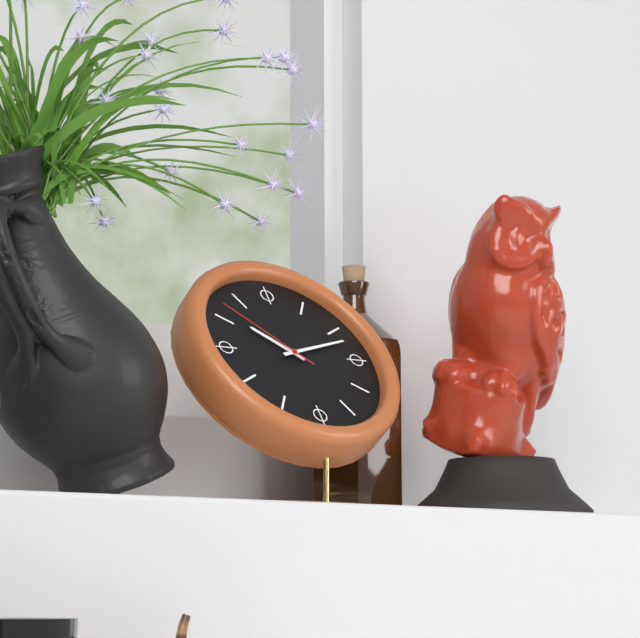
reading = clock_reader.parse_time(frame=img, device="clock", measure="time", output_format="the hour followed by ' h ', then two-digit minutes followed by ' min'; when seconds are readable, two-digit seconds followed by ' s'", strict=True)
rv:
10 h 12 min 52 s
